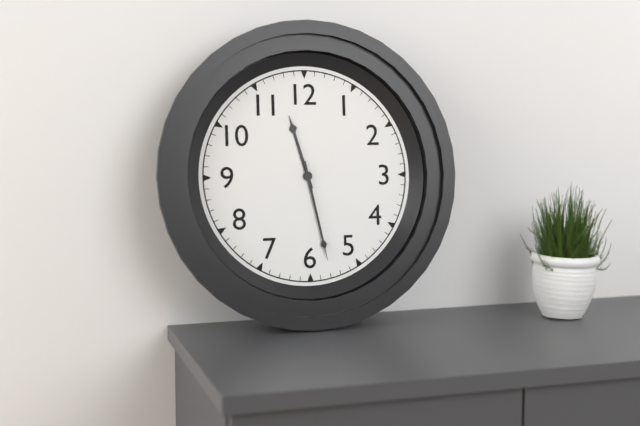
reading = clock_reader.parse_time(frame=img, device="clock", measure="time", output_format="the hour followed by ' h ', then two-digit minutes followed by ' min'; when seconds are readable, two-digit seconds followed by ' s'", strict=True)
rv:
11 h 28 min
